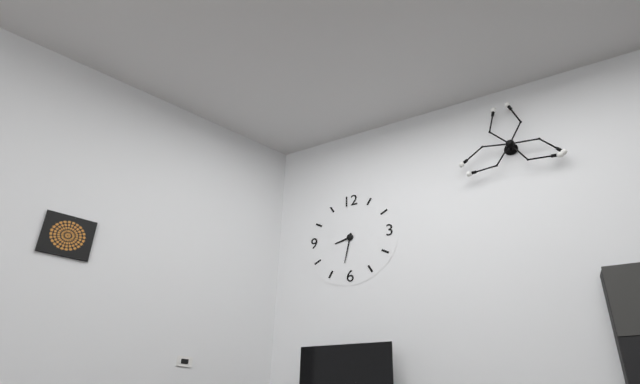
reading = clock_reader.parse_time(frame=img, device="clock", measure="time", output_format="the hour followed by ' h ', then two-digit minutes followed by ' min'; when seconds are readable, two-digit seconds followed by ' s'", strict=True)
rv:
8 h 32 min
